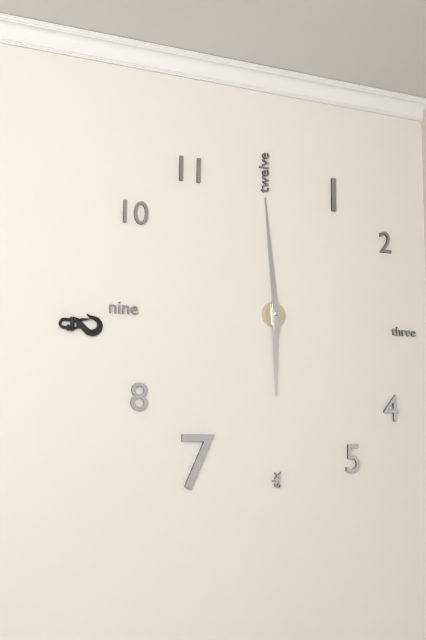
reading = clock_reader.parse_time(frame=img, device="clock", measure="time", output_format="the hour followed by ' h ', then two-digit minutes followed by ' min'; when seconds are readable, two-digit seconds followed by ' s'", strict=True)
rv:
5 h 59 min
